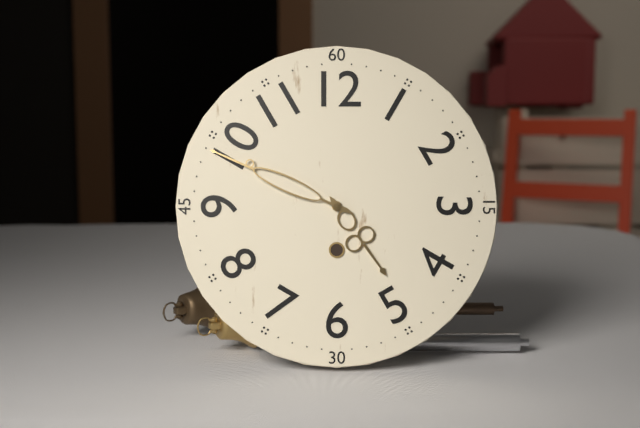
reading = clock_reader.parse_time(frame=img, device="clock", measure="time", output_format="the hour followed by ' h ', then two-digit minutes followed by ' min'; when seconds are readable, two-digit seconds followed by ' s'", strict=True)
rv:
4 h 49 min
